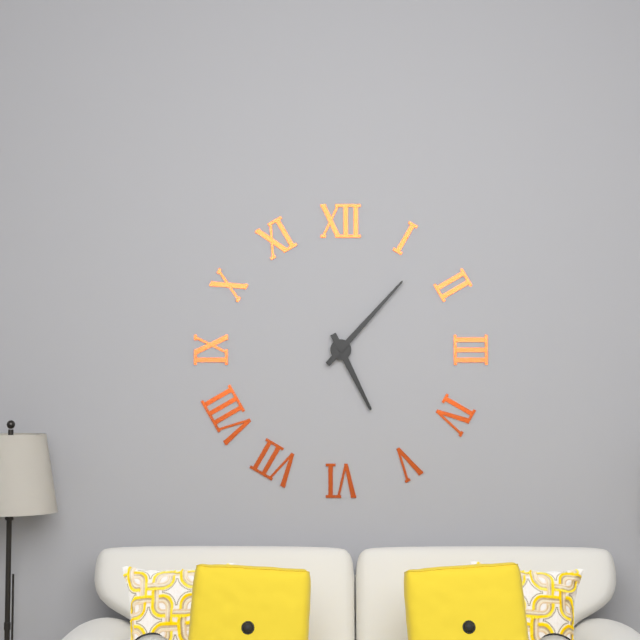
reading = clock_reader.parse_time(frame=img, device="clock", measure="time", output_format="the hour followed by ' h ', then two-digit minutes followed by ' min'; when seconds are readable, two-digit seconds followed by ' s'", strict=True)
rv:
5 h 07 min
